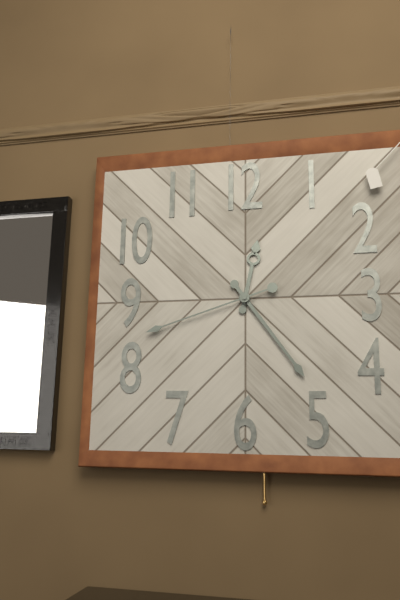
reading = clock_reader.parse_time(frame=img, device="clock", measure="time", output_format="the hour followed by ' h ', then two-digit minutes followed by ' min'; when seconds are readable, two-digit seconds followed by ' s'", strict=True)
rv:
12 h 24 min 42 s
